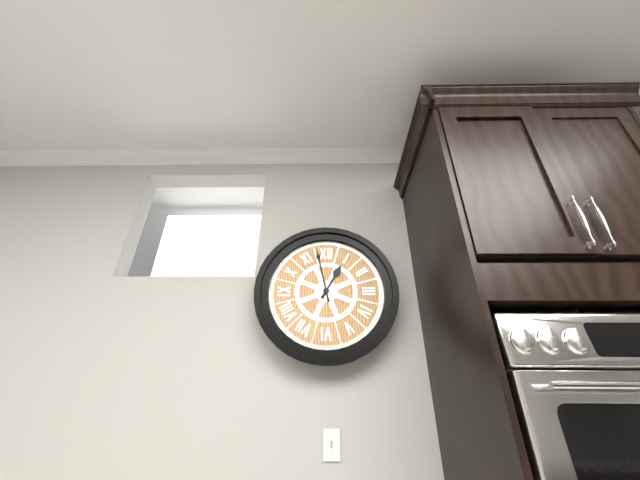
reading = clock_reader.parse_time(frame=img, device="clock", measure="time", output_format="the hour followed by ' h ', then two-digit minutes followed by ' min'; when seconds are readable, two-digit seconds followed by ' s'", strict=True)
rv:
12 h 58 min
